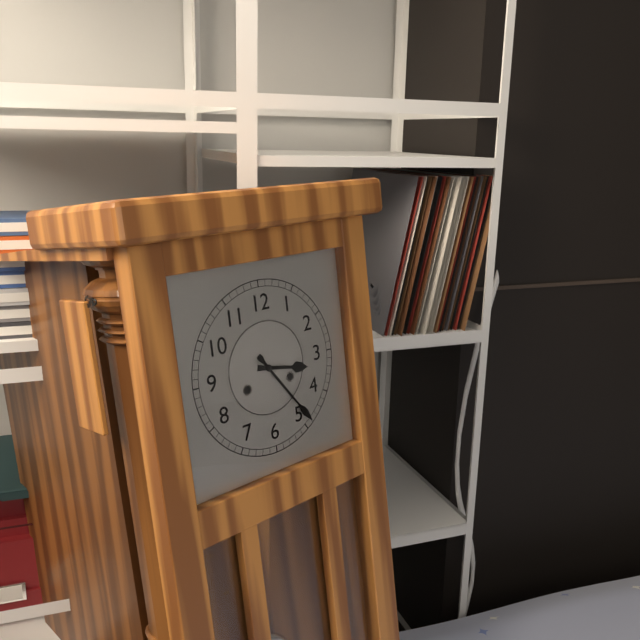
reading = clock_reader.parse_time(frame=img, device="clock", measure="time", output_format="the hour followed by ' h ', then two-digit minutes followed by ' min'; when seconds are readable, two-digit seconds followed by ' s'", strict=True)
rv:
3 h 24 min
